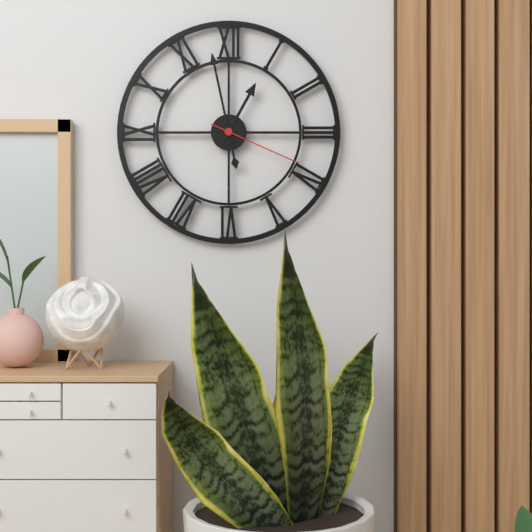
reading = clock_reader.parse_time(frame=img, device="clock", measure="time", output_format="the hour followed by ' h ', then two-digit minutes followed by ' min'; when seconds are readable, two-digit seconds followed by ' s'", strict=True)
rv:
12 h 58 min 19 s
